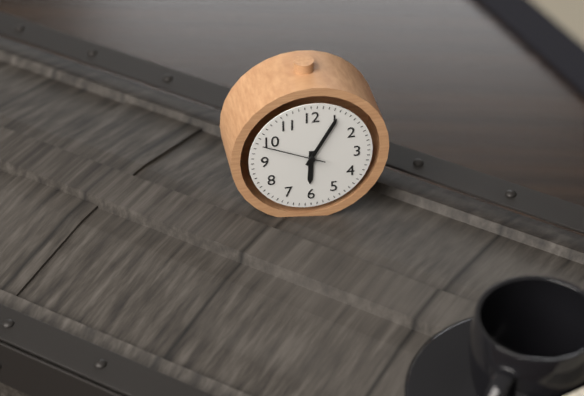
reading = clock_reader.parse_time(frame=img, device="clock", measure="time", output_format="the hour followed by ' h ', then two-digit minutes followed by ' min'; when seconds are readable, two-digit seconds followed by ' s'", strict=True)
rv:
6 h 05 min 49 s
